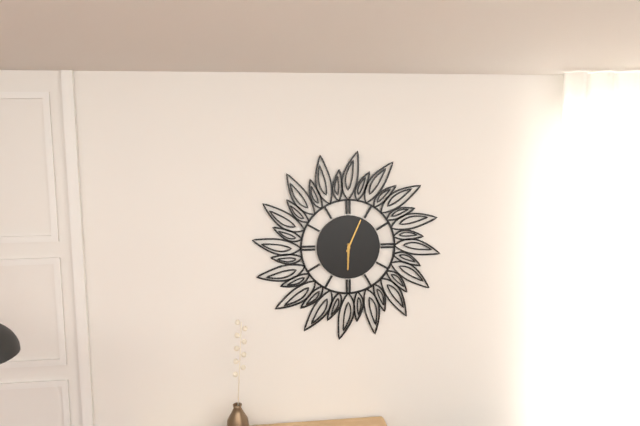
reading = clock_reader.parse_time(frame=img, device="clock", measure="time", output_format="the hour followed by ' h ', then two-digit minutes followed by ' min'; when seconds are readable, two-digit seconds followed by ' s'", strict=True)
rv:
6 h 04 min
